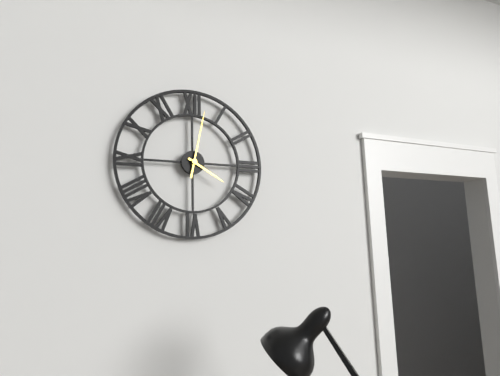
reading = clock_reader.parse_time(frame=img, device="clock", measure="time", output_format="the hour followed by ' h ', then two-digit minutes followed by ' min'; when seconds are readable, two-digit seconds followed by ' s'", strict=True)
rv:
4 h 02 min
